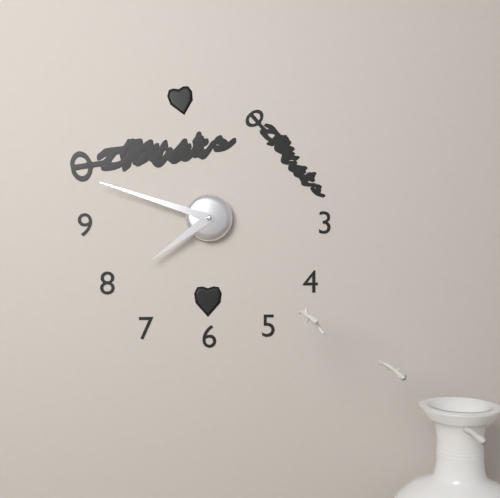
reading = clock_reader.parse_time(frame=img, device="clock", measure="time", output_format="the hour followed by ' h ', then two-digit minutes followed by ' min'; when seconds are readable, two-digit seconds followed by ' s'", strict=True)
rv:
7 h 48 min
